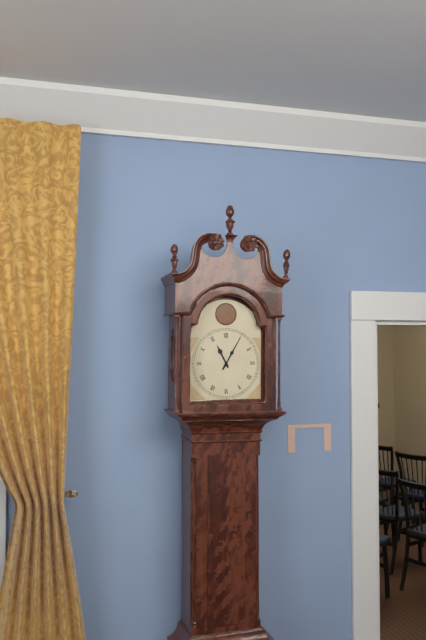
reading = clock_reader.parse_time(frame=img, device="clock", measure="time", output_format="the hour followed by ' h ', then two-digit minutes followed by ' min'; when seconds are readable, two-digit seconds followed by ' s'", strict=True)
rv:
11 h 05 min
